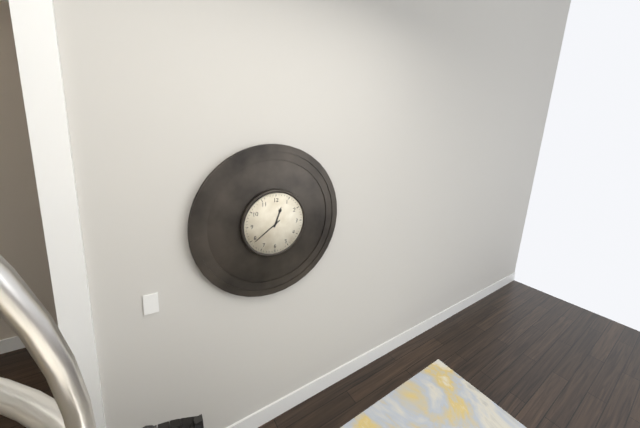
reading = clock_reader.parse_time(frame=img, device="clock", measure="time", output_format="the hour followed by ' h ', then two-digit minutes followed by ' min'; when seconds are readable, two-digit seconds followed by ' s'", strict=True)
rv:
12 h 39 min
